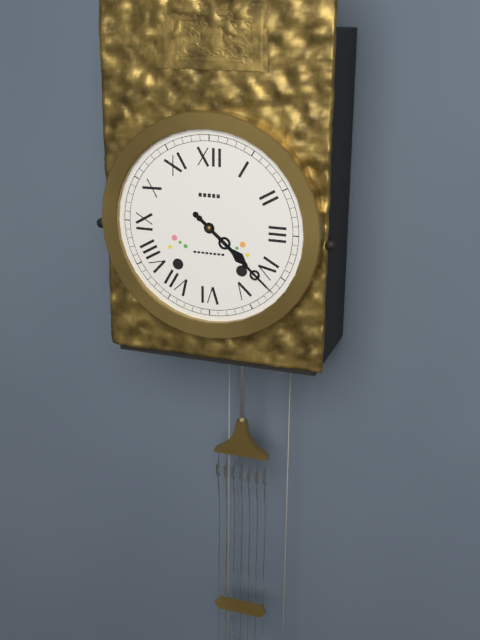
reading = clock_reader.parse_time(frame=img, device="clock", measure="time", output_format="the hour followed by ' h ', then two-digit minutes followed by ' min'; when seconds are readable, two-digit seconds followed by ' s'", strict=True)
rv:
4 h 22 min
